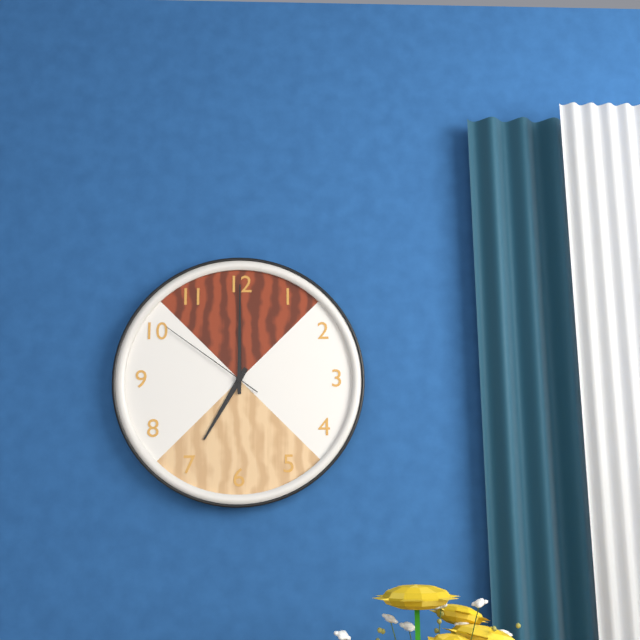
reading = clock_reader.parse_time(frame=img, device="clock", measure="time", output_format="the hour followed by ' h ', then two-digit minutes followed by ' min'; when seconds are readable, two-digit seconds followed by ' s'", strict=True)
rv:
7 h 00 min 51 s
